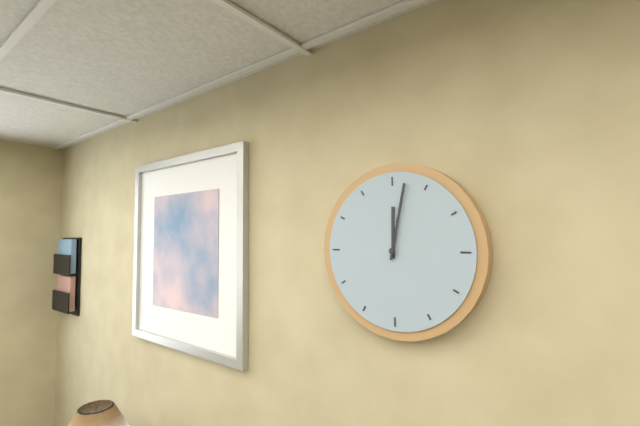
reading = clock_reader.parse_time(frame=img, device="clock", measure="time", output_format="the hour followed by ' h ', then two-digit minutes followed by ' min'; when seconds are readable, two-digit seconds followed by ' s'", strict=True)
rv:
12 h 02 min
